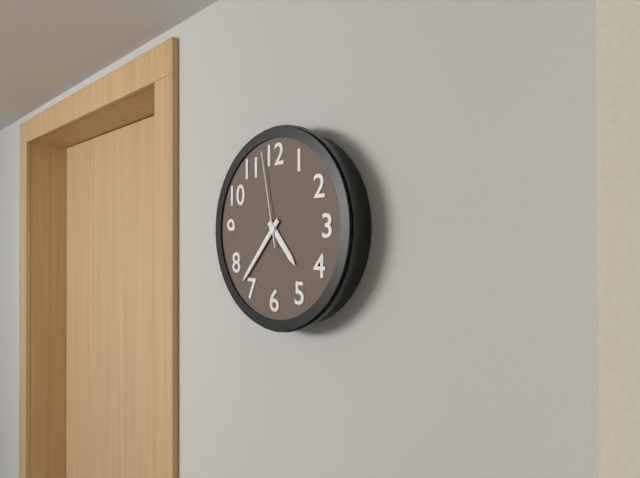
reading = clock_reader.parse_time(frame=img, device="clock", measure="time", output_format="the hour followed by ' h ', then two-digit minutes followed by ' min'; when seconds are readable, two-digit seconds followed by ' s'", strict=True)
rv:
4 h 37 min 58 s
